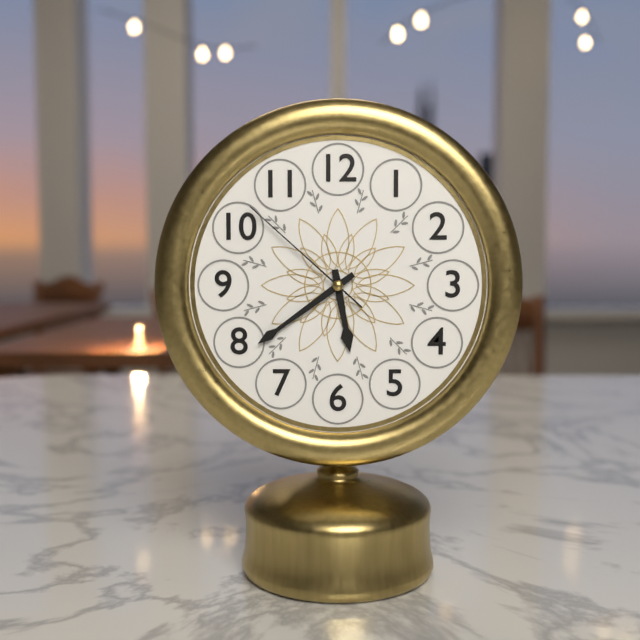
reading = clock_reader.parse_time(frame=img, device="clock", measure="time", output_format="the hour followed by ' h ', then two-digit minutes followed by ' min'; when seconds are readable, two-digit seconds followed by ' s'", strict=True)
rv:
5 h 39 min 52 s
